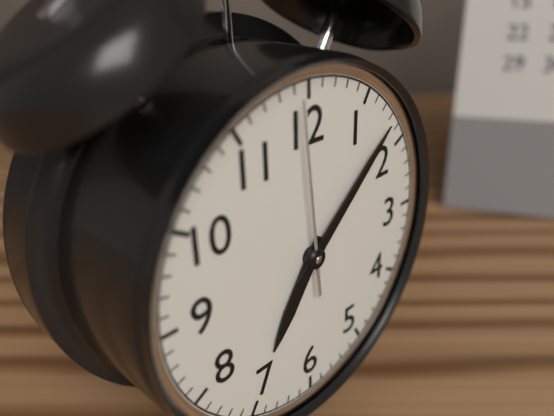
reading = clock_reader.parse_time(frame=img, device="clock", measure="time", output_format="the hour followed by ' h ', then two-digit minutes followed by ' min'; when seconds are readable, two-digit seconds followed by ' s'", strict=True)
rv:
7 h 08 min 59 s
